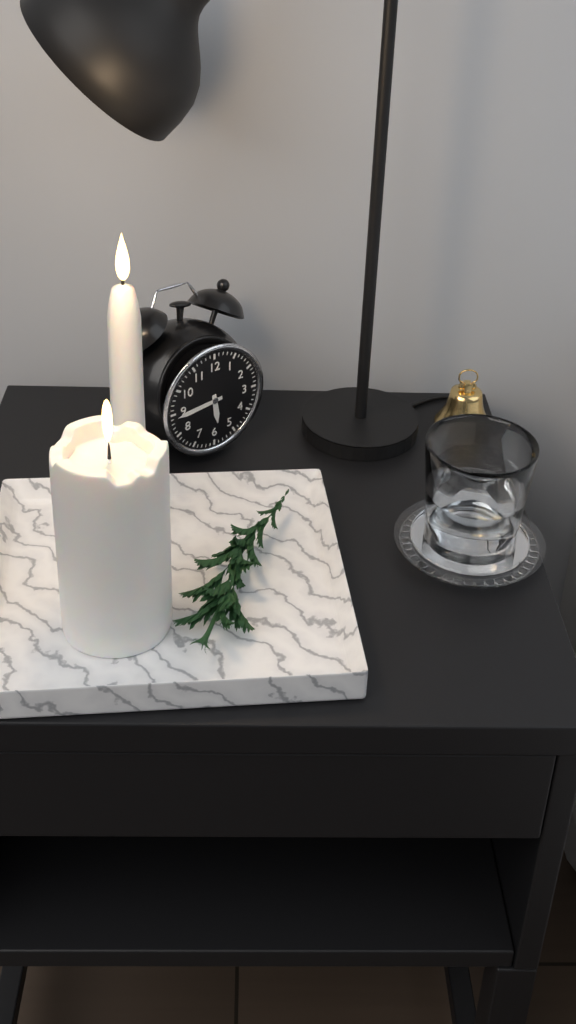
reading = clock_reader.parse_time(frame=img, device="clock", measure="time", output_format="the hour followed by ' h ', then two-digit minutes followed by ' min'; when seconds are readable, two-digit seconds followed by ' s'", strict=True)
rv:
5 h 44 min
